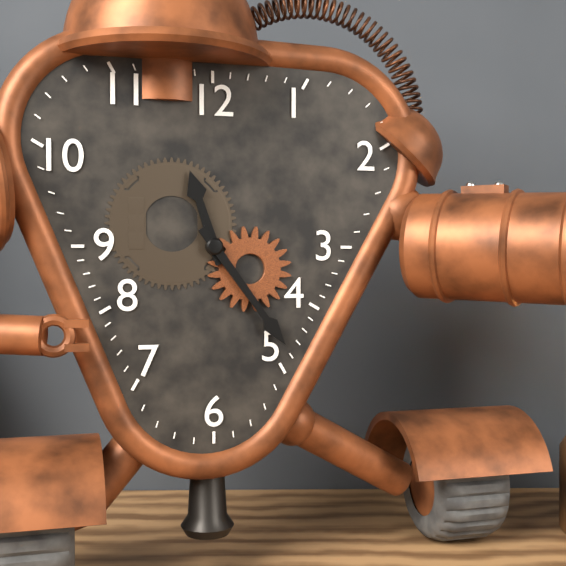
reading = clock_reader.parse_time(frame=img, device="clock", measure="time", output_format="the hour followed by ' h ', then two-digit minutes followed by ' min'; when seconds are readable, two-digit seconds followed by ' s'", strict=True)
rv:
11 h 24 min
